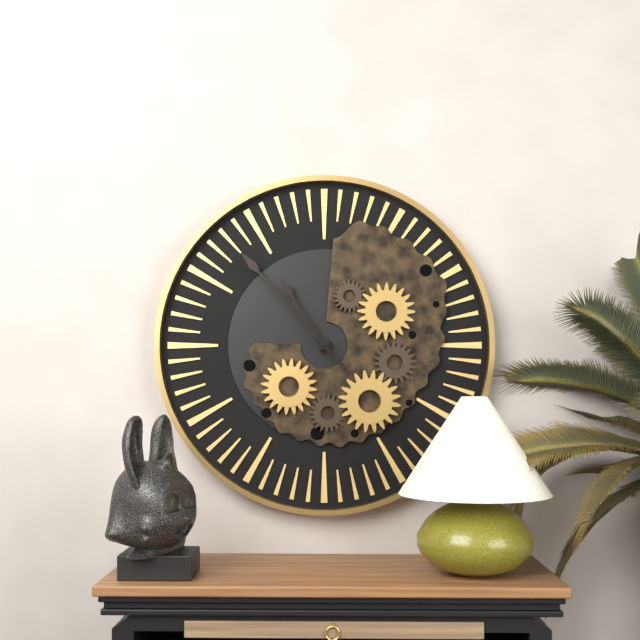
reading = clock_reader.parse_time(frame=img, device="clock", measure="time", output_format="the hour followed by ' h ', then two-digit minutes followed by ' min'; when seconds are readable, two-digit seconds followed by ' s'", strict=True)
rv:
10 h 53 min
